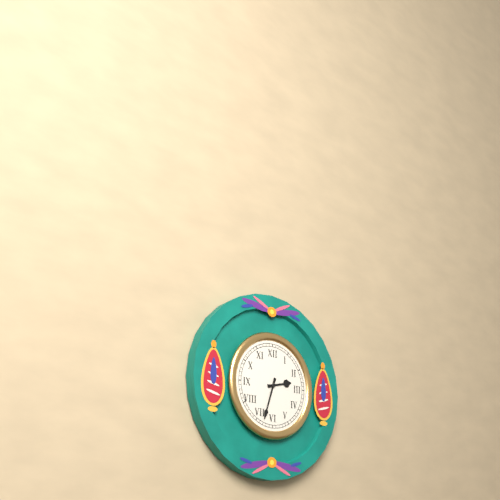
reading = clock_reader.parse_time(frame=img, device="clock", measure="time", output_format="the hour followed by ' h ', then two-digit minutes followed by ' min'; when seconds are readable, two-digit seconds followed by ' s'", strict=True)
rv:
2 h 33 min
